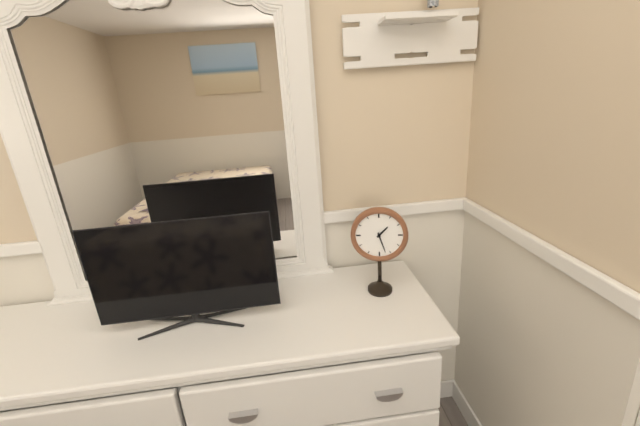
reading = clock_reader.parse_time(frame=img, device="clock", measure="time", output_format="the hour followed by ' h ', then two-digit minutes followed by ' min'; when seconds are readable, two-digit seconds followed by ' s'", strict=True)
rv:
1 h 27 min
